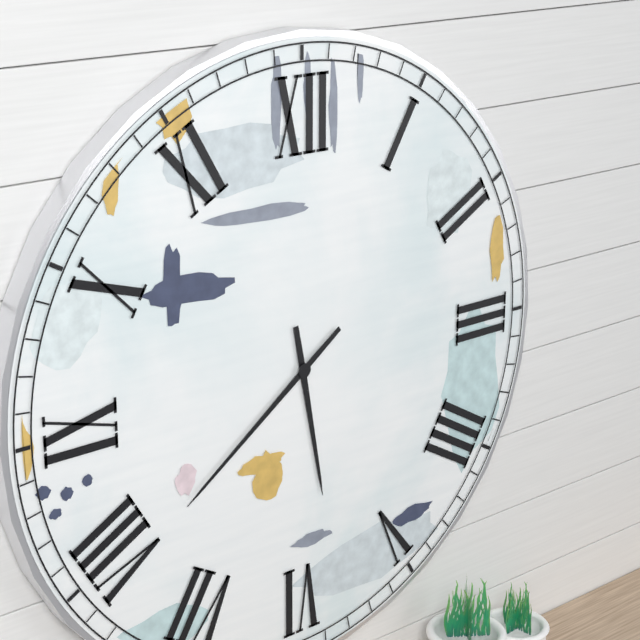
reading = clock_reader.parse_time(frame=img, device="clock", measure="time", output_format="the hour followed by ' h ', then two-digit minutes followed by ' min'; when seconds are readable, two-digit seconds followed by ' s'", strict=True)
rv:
5 h 39 min
